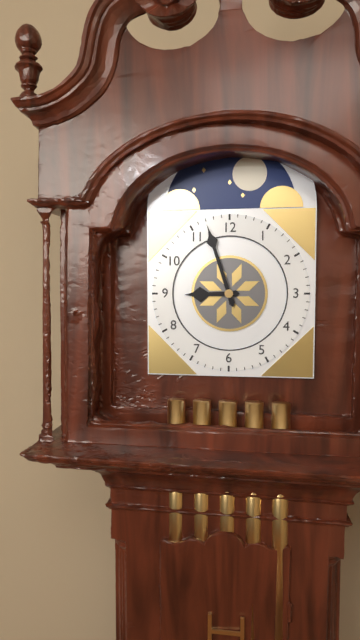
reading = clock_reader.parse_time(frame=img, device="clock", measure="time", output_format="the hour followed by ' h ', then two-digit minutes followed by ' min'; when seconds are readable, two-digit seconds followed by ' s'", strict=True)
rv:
8 h 57 min
